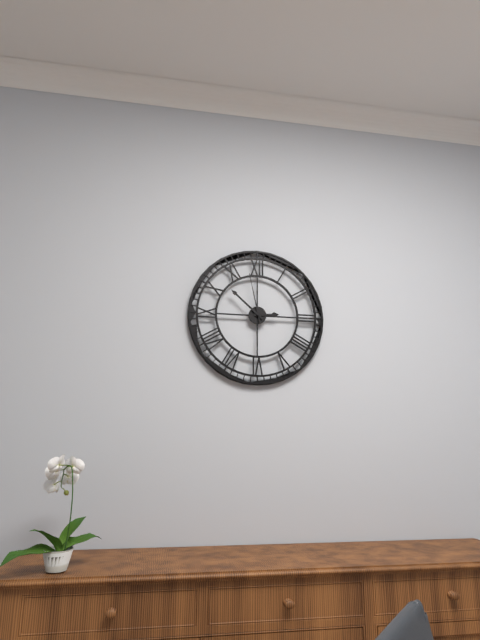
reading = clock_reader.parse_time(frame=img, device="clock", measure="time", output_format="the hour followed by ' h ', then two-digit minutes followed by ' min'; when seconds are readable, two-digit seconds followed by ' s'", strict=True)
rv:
2 h 52 min 58 s
